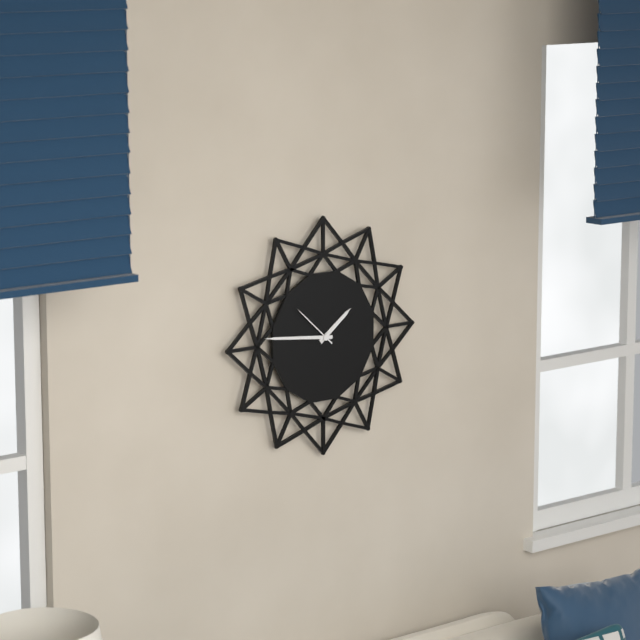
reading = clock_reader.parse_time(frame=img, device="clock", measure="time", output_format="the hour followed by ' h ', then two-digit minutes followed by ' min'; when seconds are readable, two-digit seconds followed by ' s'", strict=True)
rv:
1 h 46 min
